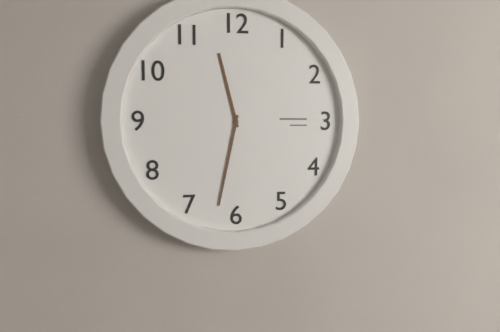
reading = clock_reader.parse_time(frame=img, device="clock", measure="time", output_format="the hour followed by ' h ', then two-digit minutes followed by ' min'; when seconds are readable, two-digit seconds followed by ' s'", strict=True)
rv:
11 h 32 min
